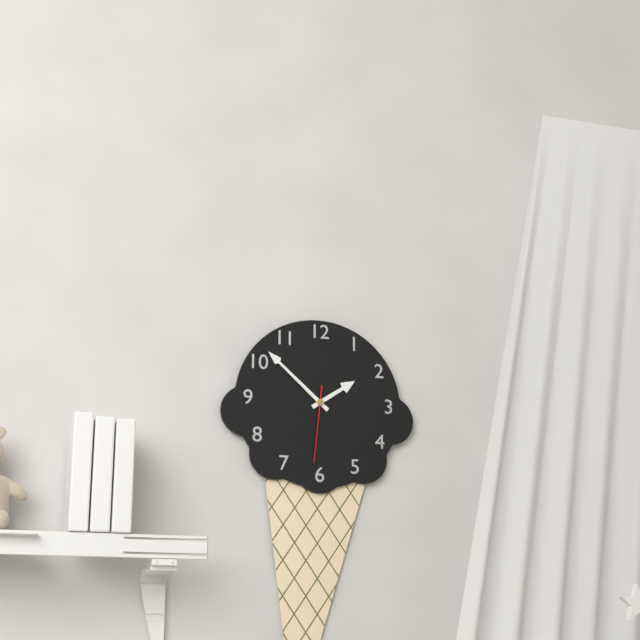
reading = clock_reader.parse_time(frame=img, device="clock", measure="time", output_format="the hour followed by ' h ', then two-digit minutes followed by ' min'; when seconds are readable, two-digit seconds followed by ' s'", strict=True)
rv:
1 h 52 min 31 s
